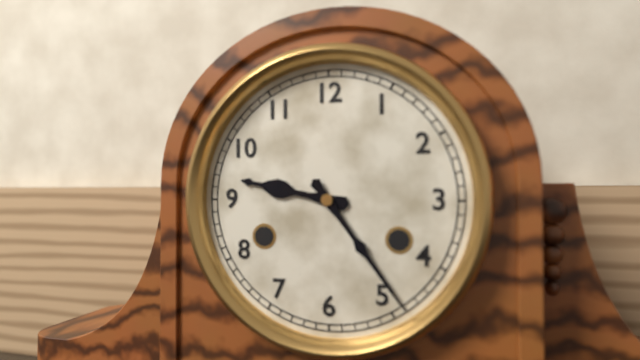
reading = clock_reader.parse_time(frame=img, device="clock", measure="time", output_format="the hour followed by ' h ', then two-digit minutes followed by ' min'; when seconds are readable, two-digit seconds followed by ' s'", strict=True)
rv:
9 h 24 min
